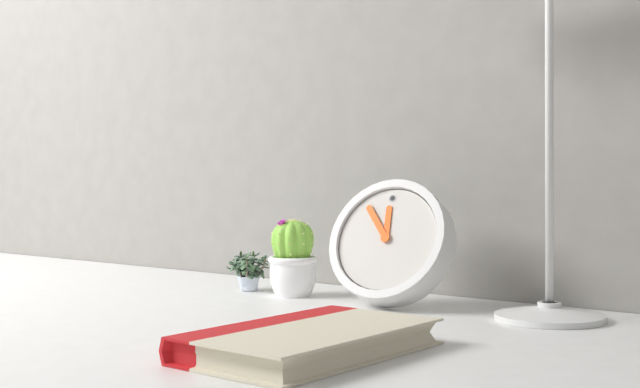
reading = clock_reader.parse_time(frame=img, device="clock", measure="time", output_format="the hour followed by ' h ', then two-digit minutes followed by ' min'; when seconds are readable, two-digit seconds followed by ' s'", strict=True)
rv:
11 h 54 min
